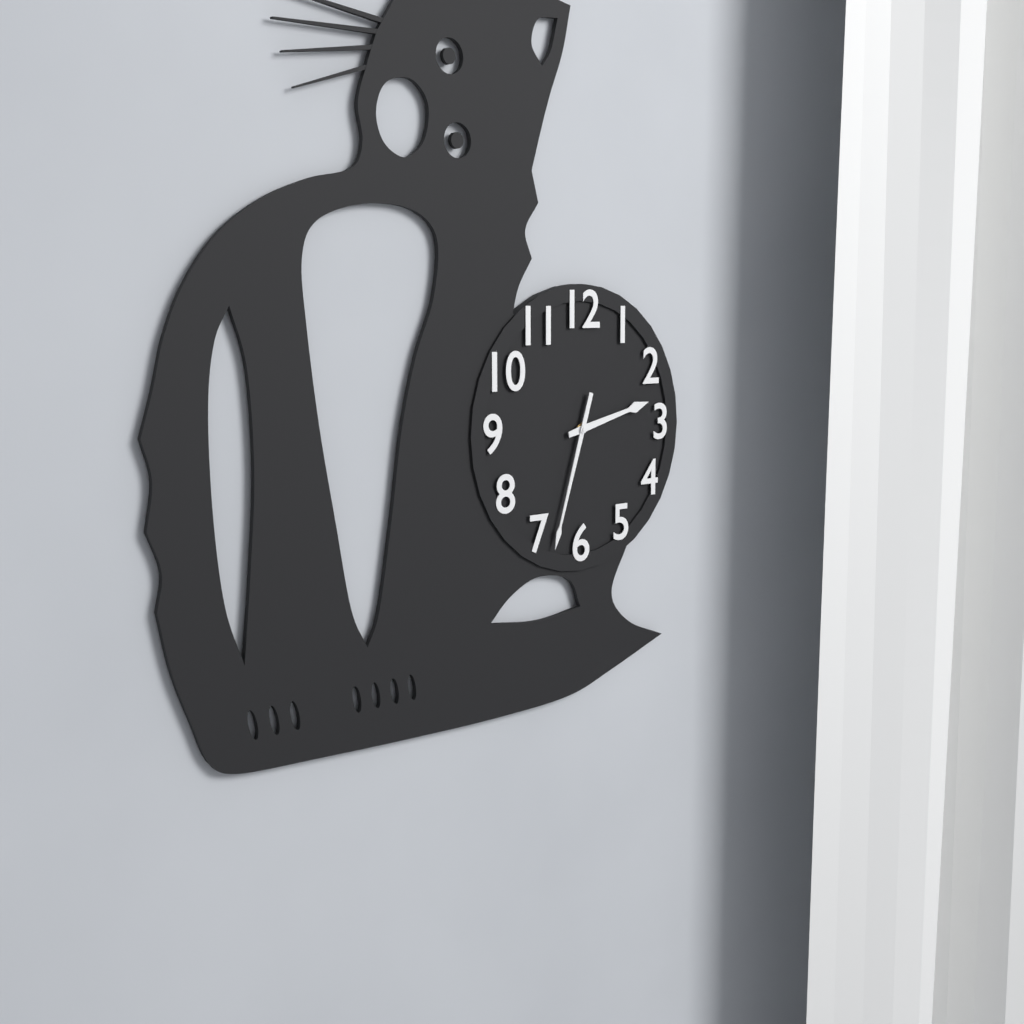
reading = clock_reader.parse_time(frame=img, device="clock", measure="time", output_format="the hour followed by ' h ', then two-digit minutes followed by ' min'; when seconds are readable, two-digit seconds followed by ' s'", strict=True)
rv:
2 h 33 min
